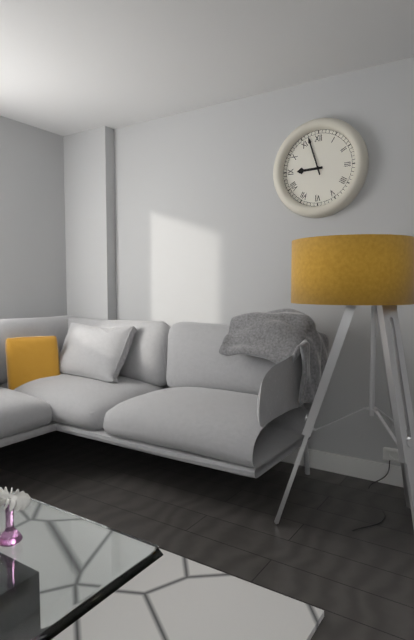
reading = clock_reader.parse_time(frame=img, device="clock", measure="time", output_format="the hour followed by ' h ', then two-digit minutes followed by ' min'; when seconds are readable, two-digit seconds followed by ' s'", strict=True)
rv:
8 h 57 min
